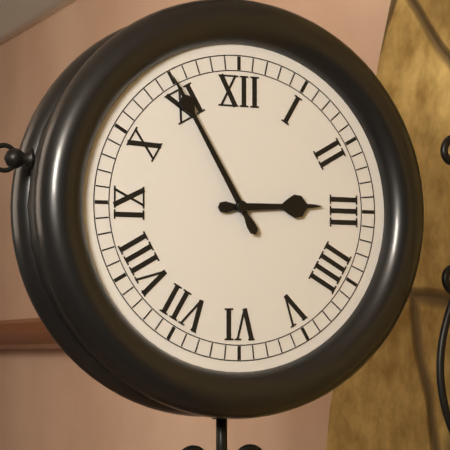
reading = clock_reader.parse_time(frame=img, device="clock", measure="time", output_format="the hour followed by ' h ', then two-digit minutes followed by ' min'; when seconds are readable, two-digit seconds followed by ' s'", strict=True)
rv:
2 h 55 min
